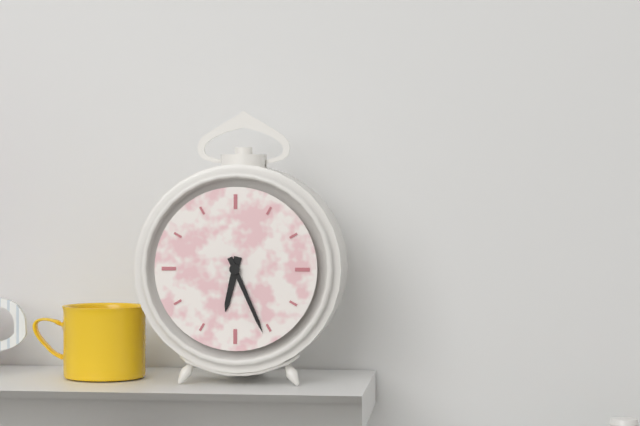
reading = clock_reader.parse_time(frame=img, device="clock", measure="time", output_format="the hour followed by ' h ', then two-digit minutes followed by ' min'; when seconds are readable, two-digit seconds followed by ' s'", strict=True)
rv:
6 h 26 min
